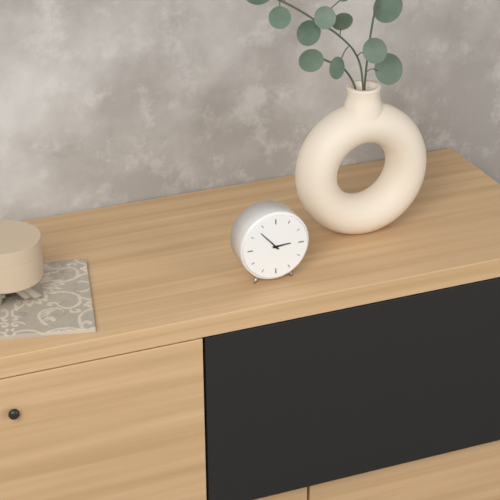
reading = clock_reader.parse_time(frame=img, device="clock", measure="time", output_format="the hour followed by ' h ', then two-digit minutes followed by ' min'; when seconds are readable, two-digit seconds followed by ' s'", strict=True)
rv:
2 h 53 min
